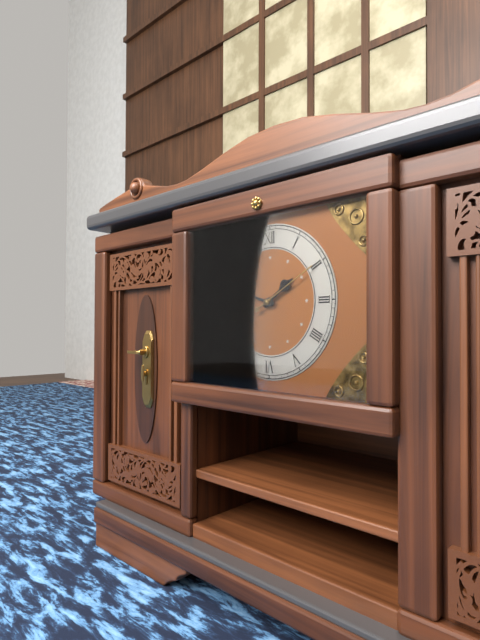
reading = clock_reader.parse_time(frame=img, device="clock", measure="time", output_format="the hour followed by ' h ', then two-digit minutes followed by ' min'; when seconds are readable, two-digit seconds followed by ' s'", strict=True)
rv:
1 h 48 min 10 s
